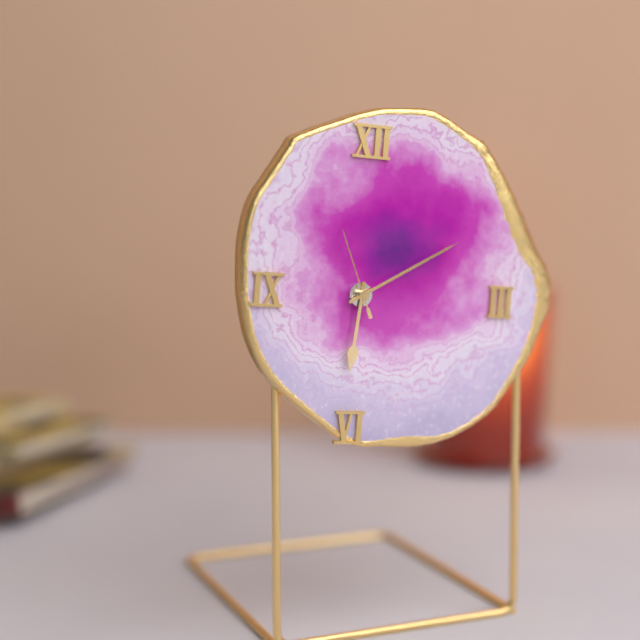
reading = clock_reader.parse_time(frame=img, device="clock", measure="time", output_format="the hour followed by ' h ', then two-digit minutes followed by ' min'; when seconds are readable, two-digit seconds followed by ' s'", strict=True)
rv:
6 h 10 min 56 s
